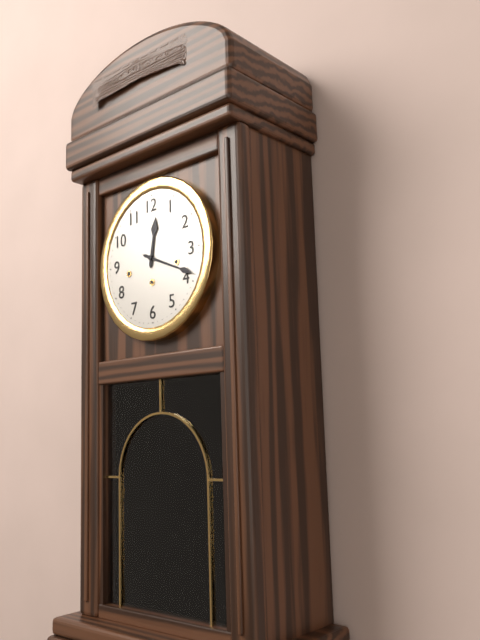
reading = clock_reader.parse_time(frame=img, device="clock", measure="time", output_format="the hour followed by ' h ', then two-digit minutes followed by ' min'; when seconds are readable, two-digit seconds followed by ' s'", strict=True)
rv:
12 h 19 min
